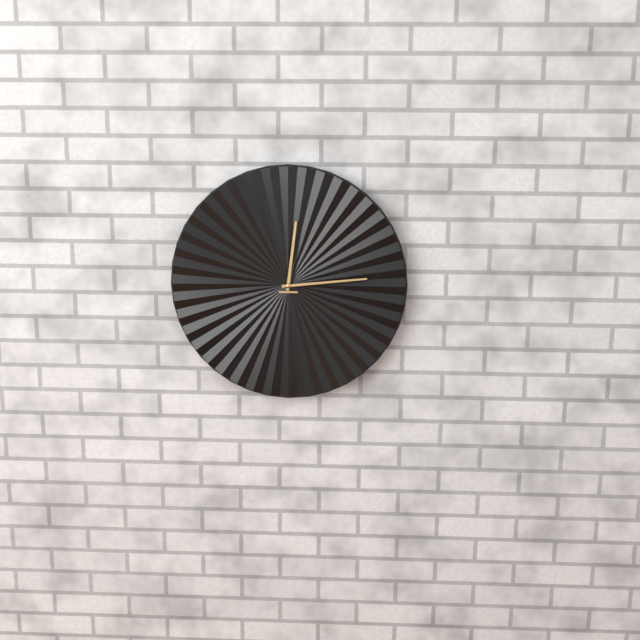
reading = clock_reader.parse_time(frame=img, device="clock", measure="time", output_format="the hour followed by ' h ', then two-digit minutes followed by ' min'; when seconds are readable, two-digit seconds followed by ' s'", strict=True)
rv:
12 h 14 min
